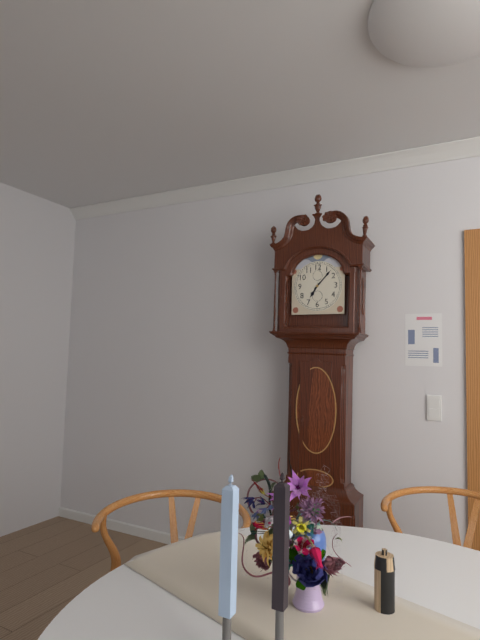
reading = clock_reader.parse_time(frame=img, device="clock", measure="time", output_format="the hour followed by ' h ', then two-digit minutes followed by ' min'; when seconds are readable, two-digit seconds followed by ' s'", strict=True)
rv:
7 h 07 min
